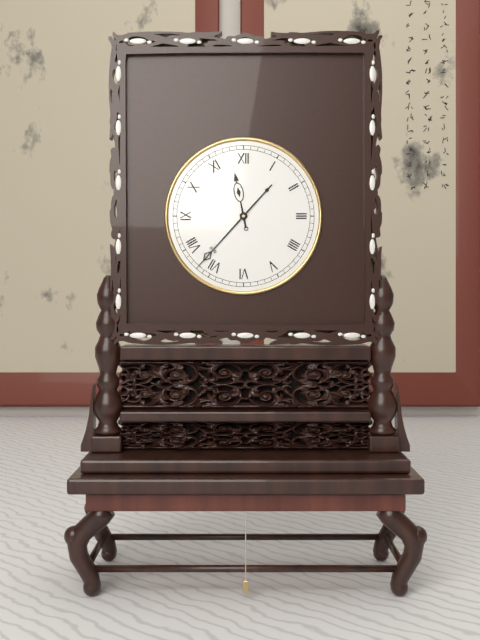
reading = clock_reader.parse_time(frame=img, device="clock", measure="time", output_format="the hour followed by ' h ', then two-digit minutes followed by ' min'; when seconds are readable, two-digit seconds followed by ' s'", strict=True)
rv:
11 h 37 min
